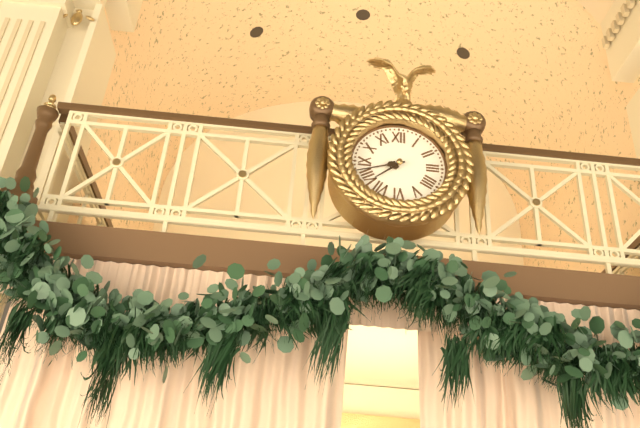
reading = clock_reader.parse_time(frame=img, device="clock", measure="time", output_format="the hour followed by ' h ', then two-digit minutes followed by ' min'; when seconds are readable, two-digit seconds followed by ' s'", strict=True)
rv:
7 h 42 min
